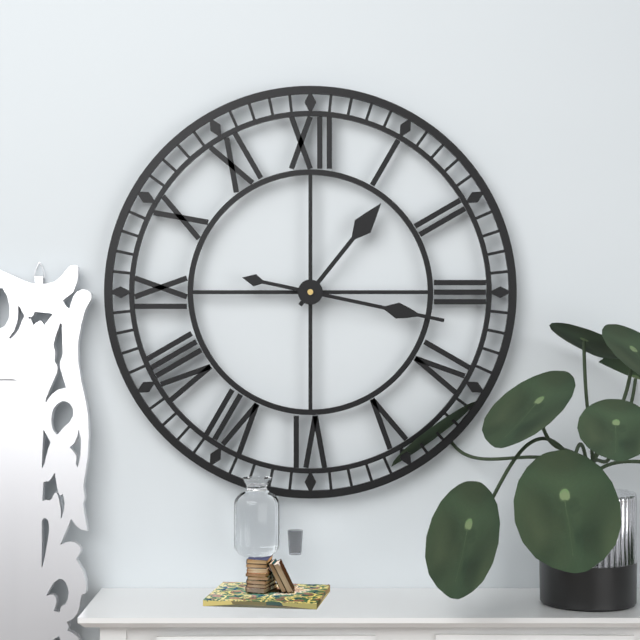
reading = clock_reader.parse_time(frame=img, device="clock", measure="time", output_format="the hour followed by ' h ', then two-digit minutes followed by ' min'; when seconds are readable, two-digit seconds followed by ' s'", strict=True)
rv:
1 h 17 min
